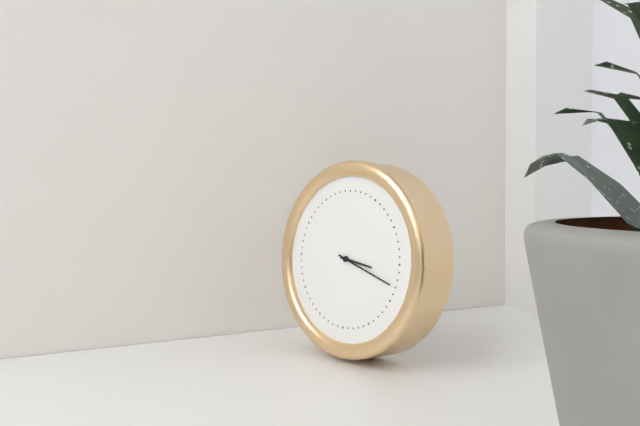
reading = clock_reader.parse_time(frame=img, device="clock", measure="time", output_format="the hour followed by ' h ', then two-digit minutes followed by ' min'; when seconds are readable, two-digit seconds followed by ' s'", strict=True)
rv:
3 h 18 min
